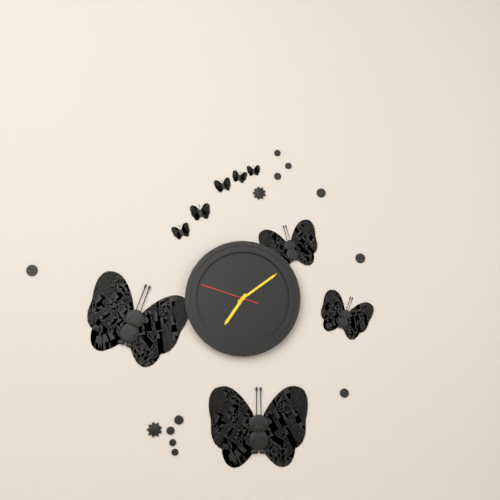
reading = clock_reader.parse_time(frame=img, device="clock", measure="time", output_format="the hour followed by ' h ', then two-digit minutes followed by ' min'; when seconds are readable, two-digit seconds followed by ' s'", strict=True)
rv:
7 h 09 min 48 s
